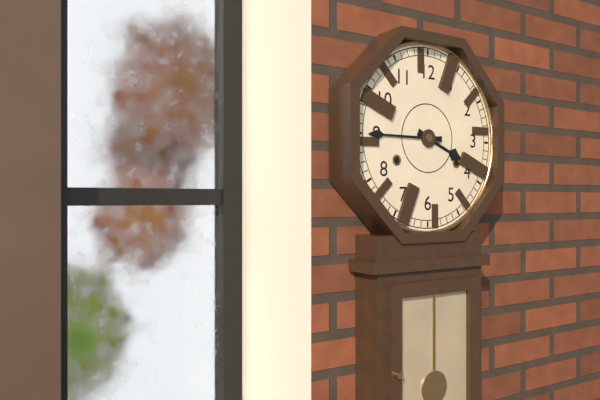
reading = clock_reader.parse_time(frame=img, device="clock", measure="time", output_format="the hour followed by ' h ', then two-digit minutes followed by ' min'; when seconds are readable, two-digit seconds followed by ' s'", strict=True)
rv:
3 h 45 min
